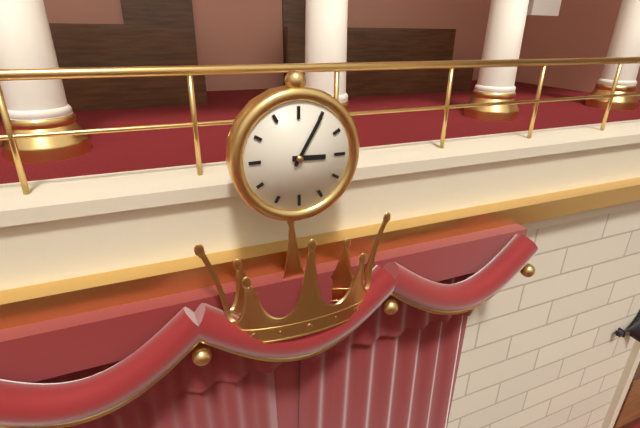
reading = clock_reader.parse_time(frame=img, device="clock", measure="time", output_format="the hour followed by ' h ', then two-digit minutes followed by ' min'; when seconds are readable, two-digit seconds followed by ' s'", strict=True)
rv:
3 h 05 min
